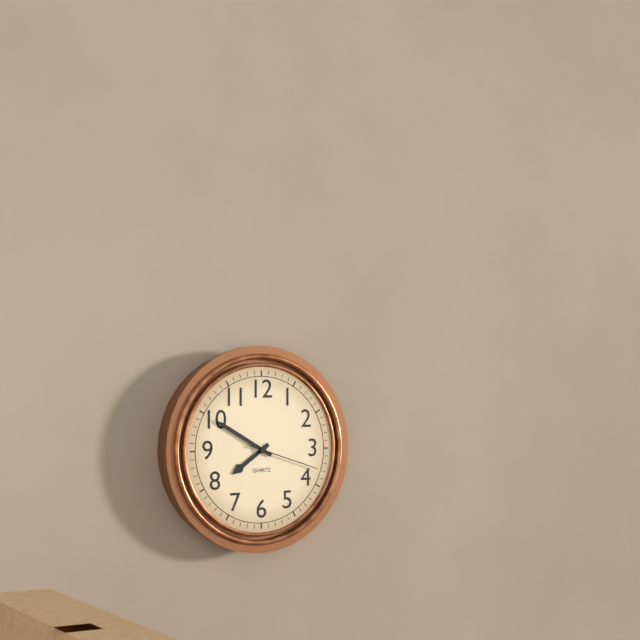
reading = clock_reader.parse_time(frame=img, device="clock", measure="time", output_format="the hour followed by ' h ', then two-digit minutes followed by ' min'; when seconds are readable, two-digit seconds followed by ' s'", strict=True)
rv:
7 h 50 min 18 s
